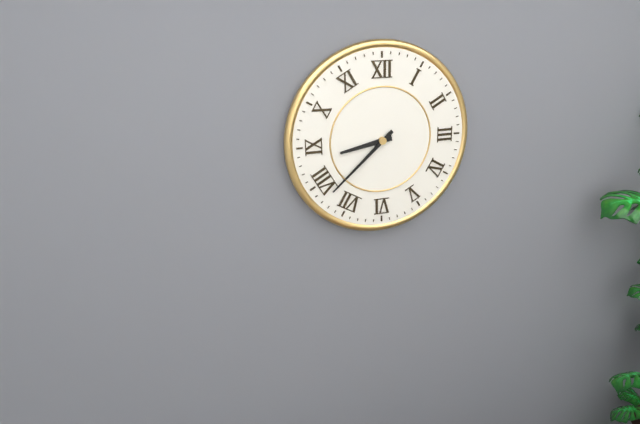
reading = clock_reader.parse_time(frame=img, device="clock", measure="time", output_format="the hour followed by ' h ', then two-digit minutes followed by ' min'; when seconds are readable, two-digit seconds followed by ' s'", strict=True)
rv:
8 h 38 min
